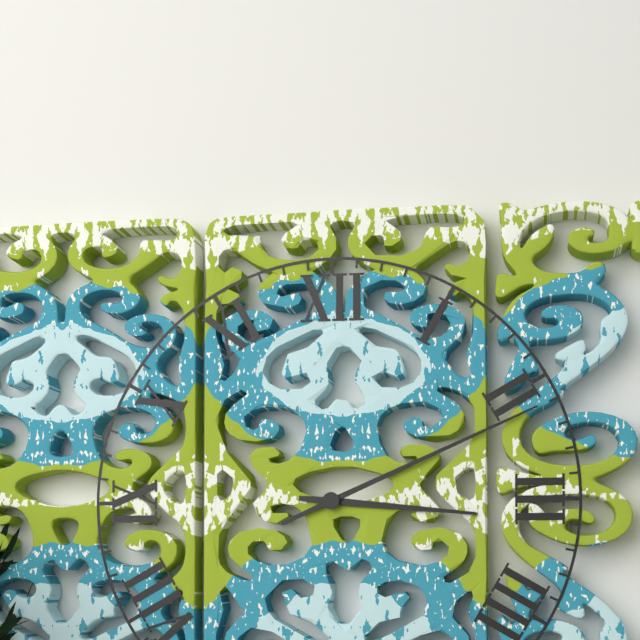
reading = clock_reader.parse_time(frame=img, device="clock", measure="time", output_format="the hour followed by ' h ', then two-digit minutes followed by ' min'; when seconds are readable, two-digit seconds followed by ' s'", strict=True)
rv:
3 h 11 min
